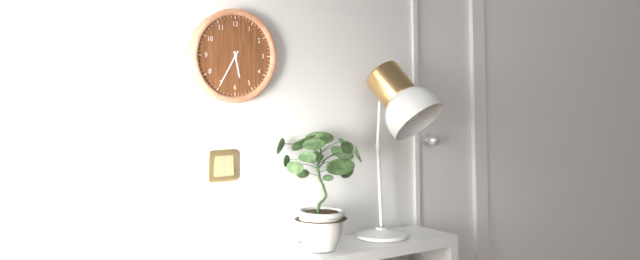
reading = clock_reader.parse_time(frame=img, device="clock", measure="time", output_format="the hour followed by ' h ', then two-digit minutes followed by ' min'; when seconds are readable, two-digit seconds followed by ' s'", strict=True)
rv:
5 h 35 min
